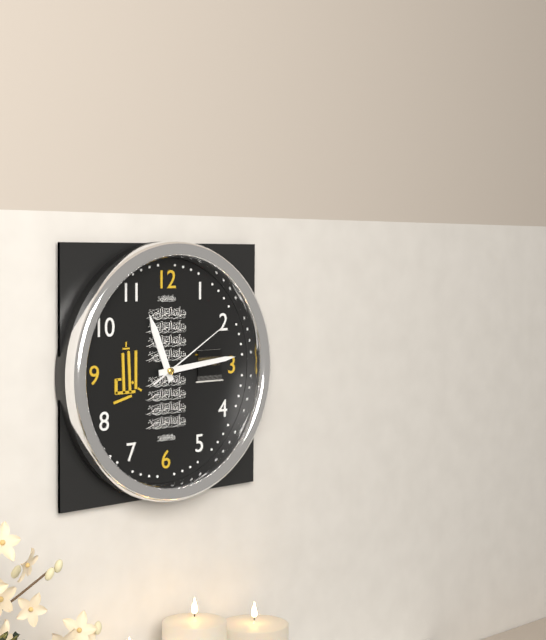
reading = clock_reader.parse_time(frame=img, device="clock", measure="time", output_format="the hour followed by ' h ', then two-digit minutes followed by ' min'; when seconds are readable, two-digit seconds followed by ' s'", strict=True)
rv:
11 h 14 min 10 s
